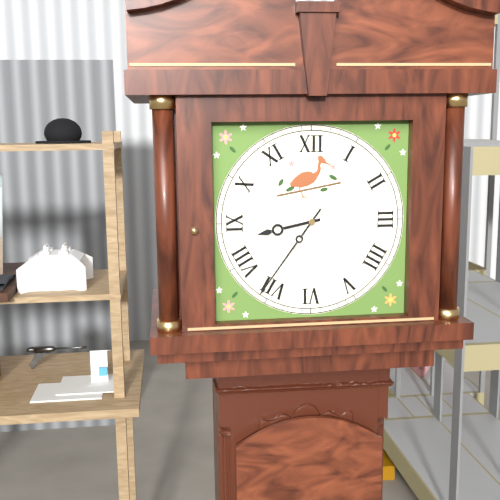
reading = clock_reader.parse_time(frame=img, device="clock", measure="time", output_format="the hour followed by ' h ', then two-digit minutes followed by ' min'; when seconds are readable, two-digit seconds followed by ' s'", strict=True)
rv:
8 h 36 min
